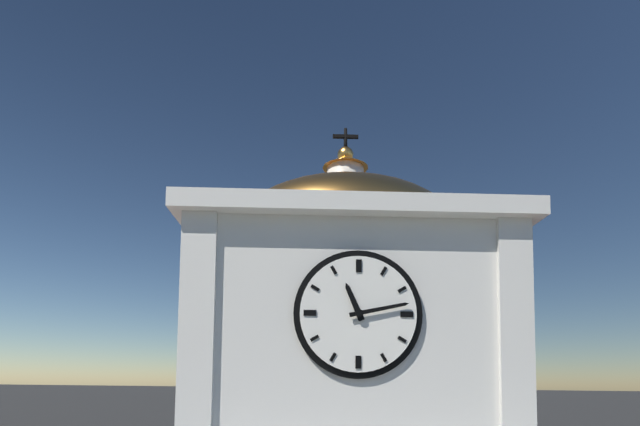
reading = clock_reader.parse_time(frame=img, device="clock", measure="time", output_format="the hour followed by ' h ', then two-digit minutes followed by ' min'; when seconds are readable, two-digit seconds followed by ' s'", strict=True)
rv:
11 h 13 min
